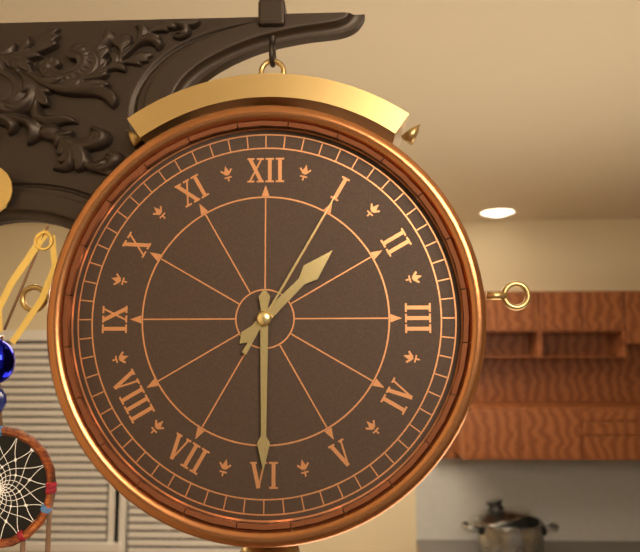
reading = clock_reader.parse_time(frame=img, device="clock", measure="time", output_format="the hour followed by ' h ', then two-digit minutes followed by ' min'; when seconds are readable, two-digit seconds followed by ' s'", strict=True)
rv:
1 h 30 min 05 s
